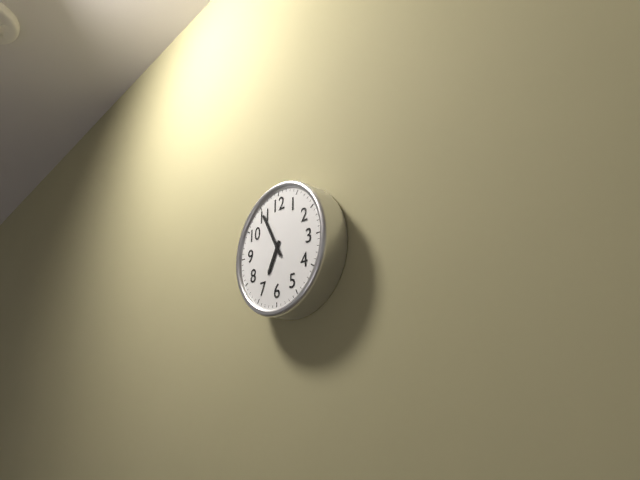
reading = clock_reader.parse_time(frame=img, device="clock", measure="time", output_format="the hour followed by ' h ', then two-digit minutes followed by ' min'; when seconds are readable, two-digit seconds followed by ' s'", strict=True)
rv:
6 h 55 min
